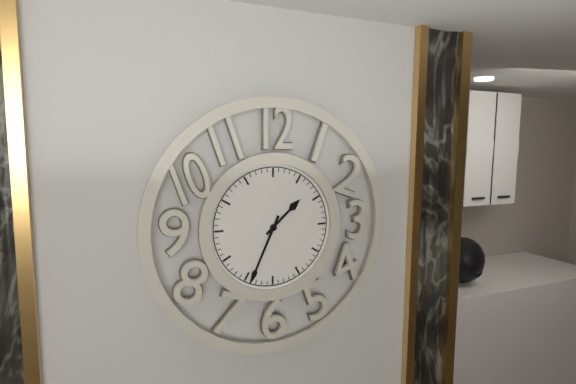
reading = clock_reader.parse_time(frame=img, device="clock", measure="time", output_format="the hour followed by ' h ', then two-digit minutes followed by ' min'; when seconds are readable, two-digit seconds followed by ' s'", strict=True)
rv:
1 h 34 min
